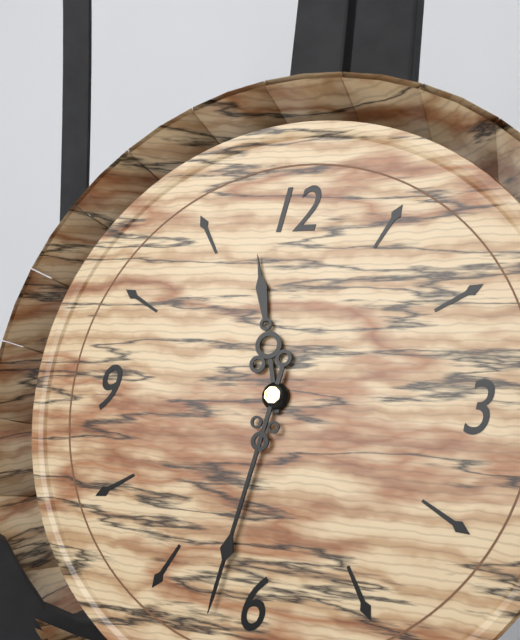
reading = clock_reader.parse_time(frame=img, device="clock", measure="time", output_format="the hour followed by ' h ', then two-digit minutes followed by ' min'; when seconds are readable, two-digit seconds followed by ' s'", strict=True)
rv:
11 h 32 min
